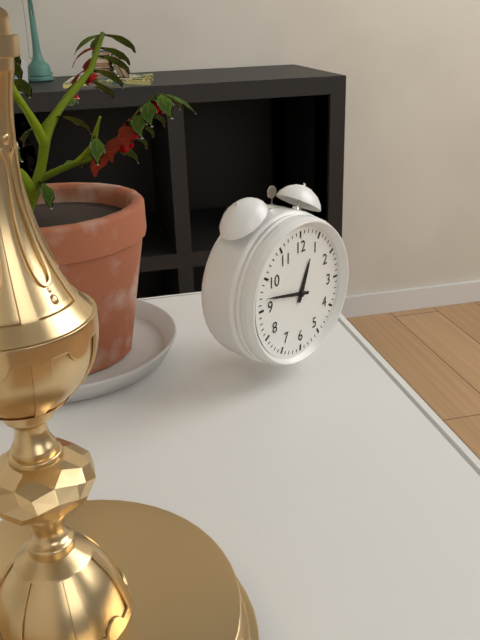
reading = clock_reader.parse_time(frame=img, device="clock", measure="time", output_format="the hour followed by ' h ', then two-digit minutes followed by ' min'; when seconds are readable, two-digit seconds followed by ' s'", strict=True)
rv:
12 h 47 min
